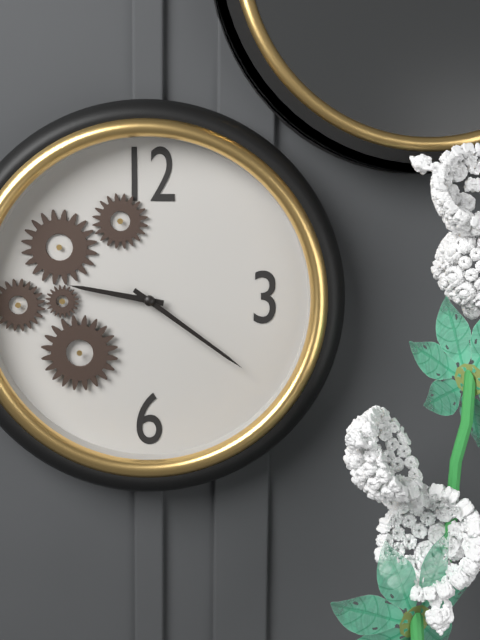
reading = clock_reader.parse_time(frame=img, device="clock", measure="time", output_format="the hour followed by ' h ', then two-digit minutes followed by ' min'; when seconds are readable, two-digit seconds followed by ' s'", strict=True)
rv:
9 h 21 min
